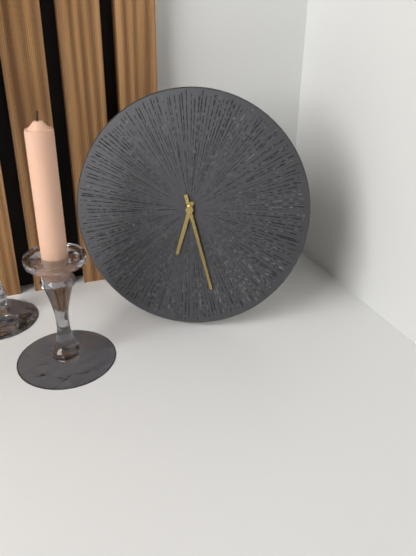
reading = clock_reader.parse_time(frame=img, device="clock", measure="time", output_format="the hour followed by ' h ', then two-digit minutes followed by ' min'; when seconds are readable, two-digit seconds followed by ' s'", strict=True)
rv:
6 h 27 min
